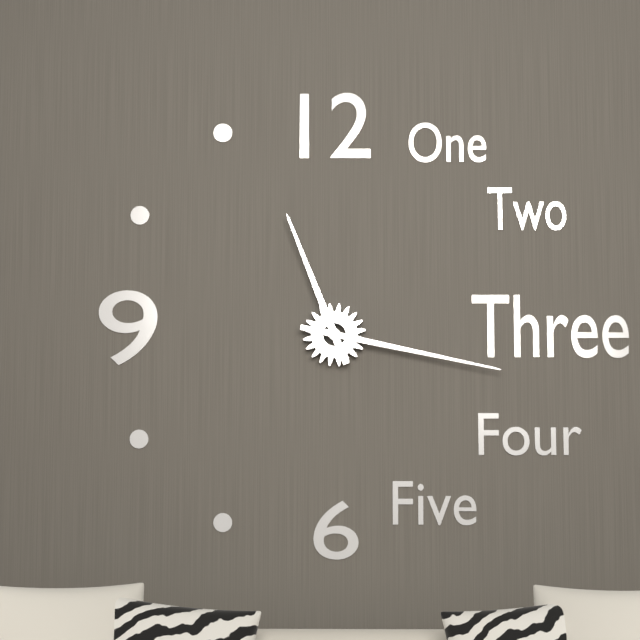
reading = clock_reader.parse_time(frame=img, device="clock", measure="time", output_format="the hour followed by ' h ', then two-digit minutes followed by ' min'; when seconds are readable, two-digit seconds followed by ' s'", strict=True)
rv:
11 h 17 min
